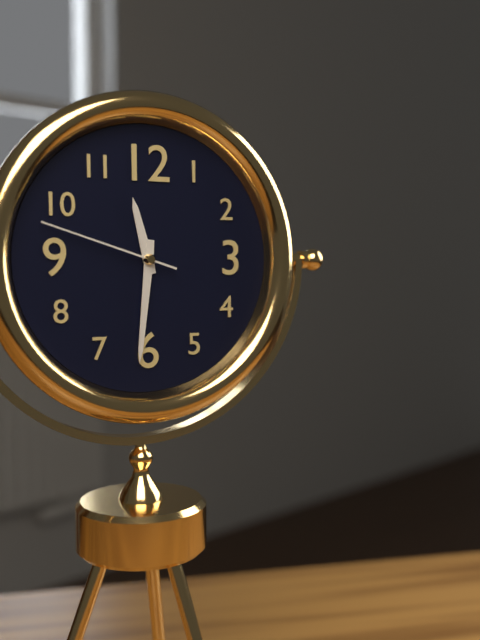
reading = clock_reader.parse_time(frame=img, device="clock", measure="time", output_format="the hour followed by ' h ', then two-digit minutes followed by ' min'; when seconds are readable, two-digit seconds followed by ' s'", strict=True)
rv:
11 h 31 min 48 s
